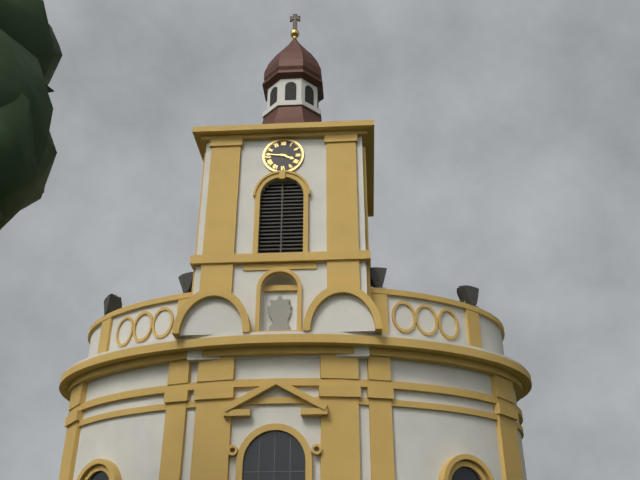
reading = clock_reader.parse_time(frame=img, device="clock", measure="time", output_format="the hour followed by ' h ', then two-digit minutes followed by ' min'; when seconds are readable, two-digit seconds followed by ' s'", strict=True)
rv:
3 h 46 min
